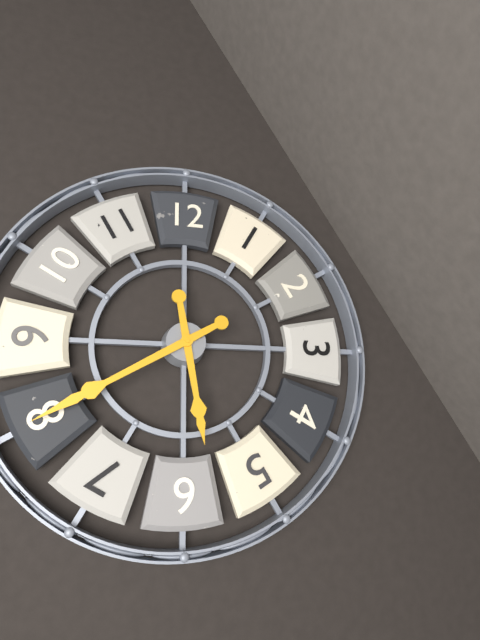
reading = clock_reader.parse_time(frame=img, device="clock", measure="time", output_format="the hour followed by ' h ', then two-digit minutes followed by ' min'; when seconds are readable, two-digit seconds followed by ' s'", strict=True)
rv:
5 h 40 min
